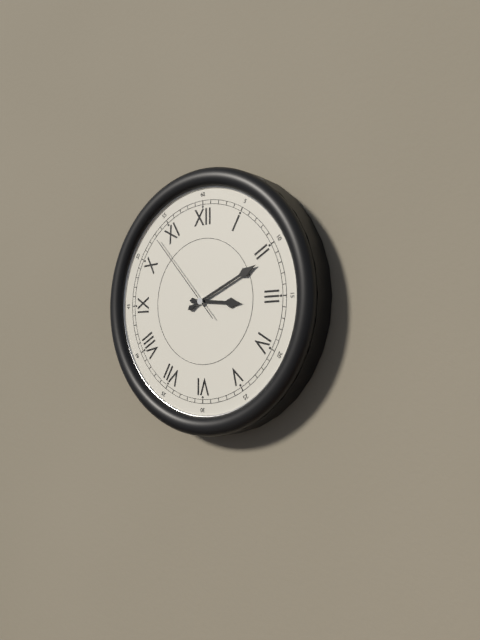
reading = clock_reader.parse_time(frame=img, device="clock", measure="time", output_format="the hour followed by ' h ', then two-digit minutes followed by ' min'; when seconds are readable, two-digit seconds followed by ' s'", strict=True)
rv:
3 h 11 min 53 s
